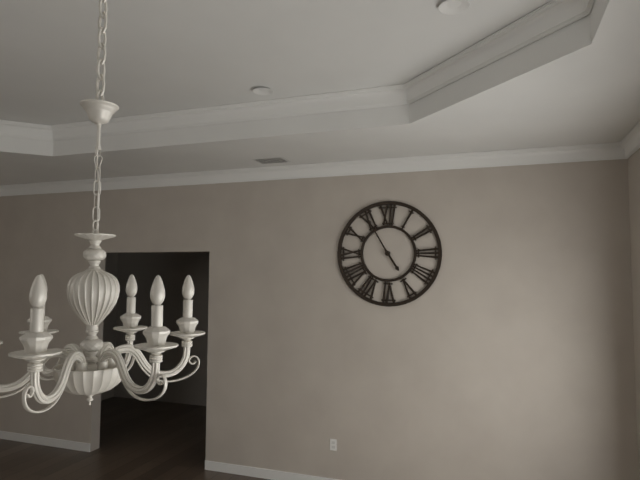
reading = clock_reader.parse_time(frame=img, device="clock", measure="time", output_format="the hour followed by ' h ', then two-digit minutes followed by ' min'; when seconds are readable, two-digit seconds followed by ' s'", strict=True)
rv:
4 h 55 min
